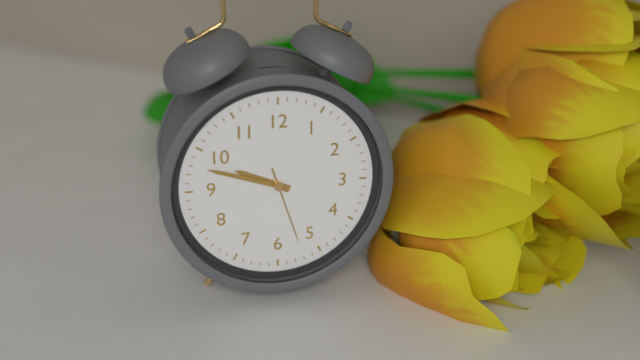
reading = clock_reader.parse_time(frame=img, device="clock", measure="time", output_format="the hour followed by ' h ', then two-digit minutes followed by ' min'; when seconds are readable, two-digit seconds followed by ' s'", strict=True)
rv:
9 h 48 min 27 s
